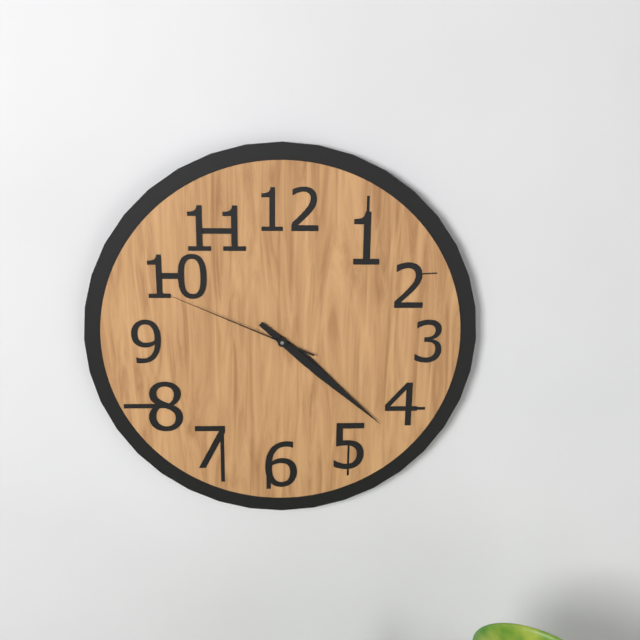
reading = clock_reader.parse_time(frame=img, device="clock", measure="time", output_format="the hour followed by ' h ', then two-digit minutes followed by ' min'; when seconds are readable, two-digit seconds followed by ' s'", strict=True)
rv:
4 h 22 min 49 s
